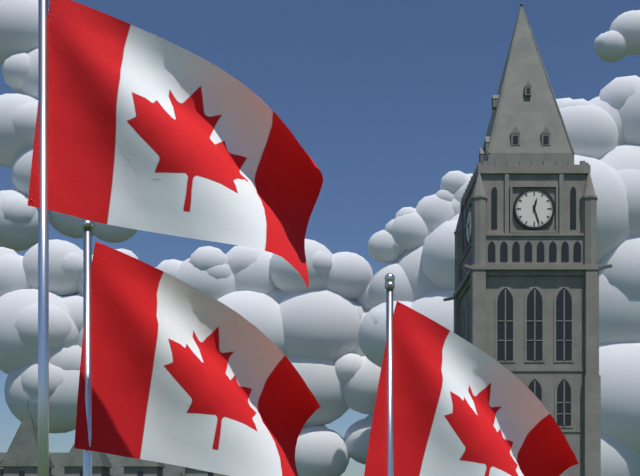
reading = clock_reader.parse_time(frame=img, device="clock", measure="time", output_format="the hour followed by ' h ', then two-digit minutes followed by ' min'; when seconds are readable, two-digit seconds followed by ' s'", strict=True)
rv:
12 h 27 min
